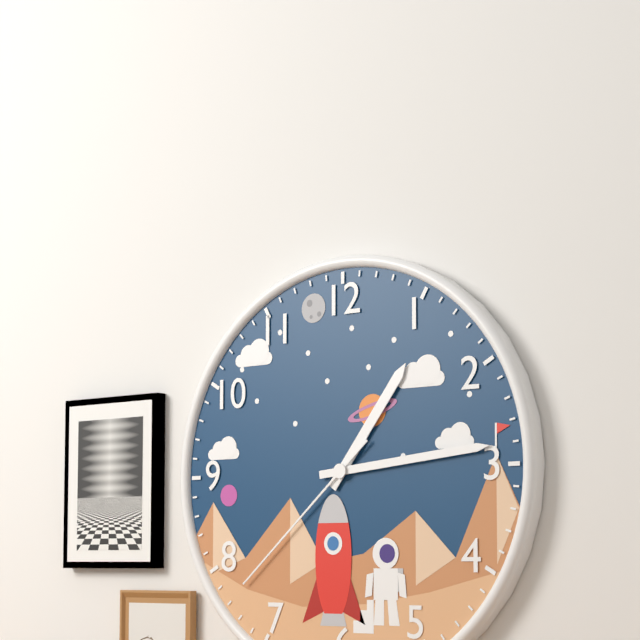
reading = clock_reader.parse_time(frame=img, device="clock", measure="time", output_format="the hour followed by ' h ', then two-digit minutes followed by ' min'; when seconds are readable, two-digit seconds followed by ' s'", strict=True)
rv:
1 h 14 min 38 s
